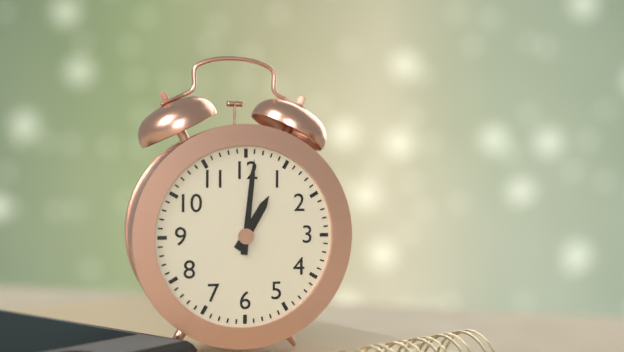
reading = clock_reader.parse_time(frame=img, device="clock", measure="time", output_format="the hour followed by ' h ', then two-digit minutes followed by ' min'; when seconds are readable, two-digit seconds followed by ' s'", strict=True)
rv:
1 h 01 min
